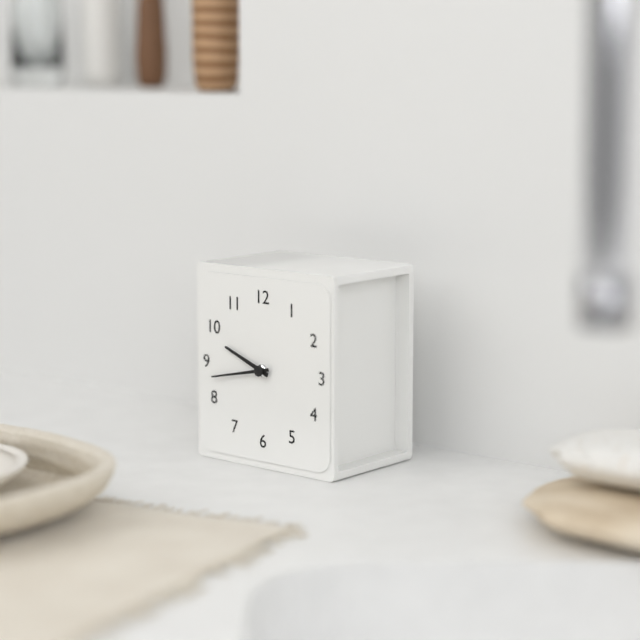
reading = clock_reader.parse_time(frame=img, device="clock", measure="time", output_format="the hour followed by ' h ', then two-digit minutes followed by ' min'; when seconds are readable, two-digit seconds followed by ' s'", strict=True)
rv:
9 h 43 min
